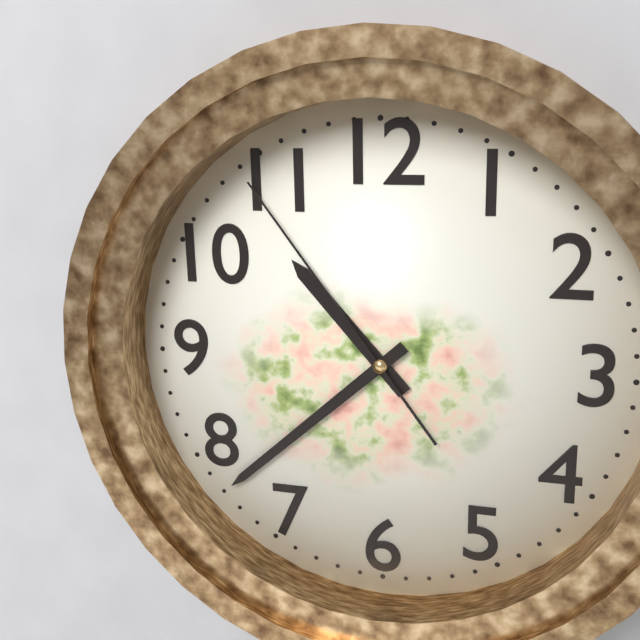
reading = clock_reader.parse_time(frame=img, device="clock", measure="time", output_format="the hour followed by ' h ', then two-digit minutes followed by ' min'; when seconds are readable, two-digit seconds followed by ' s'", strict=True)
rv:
10 h 38 min 54 s
